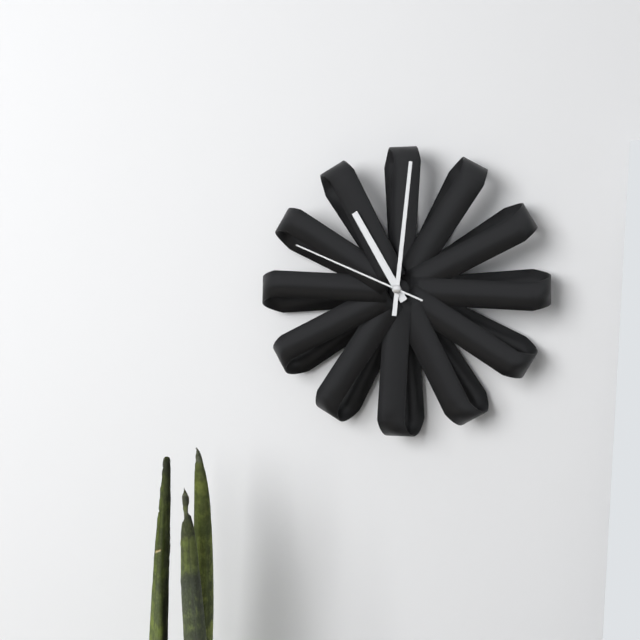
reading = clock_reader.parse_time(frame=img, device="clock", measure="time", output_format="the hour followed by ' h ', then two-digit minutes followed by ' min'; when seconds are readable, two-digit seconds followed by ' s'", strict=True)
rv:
11 h 01 min 49 s
